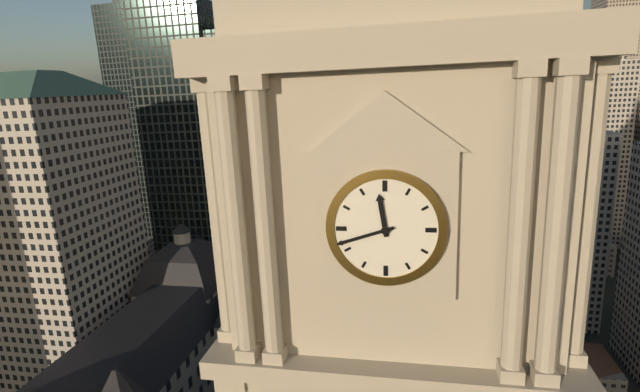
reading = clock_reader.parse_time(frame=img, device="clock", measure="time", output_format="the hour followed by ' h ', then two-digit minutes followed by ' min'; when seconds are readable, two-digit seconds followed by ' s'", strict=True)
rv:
11 h 42 min
